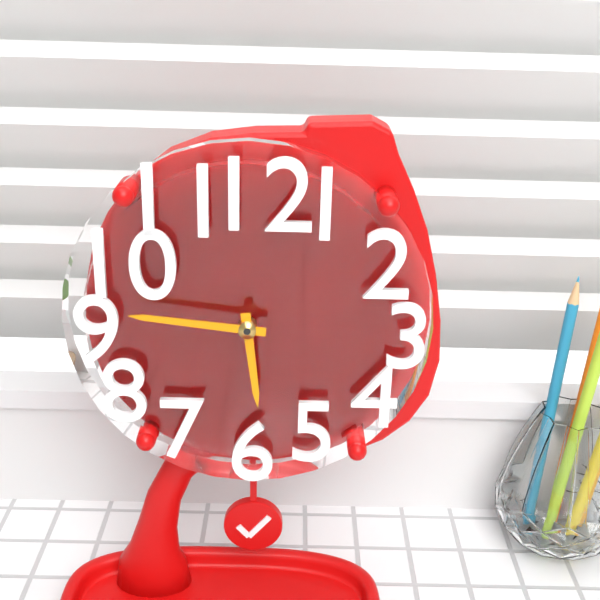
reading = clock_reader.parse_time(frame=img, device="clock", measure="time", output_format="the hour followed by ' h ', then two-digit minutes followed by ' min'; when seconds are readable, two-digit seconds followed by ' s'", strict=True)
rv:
5 h 46 min
